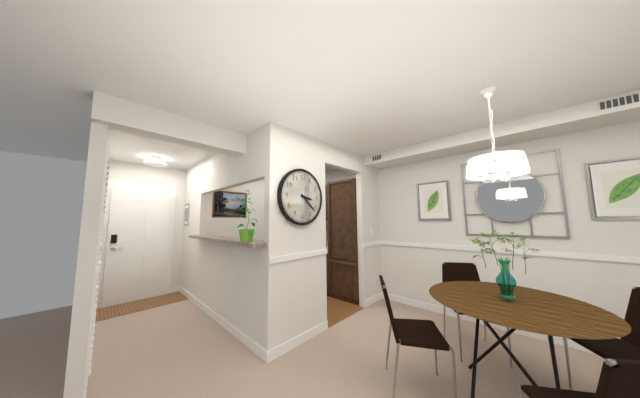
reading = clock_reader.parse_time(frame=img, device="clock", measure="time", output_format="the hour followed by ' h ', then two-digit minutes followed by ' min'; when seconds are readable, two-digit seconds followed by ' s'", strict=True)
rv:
3 h 22 min
